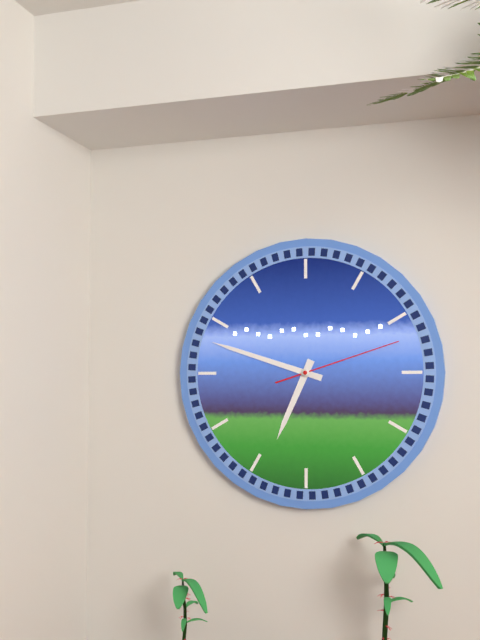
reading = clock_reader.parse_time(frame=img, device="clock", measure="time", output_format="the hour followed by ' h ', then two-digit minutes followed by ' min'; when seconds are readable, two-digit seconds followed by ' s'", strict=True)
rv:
6 h 48 min 12 s
